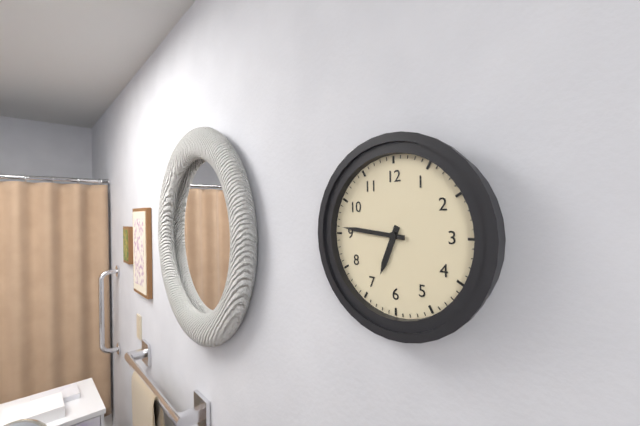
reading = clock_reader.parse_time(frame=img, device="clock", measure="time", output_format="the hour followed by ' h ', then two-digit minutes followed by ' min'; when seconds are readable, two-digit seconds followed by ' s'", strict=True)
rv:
6 h 46 min
